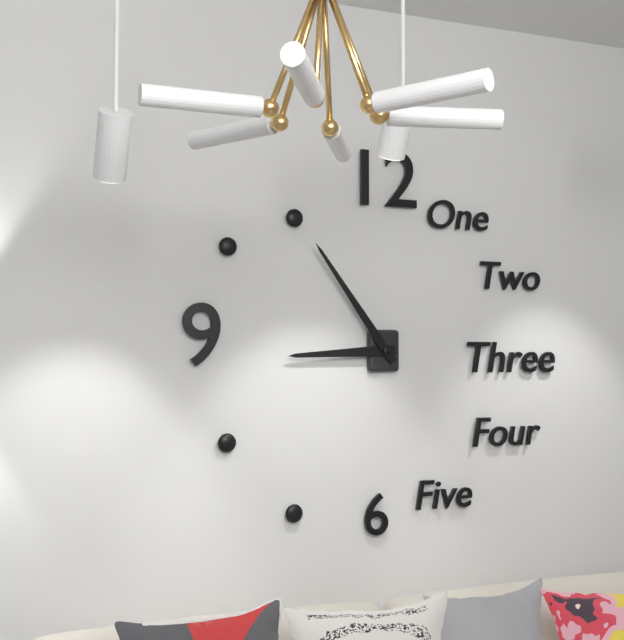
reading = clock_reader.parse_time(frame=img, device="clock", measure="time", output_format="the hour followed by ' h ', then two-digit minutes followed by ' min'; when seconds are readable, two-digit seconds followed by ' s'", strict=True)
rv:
8 h 54 min
